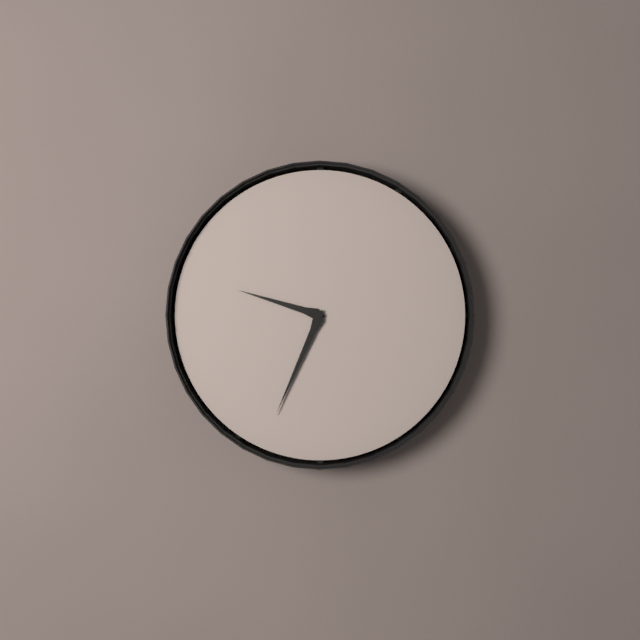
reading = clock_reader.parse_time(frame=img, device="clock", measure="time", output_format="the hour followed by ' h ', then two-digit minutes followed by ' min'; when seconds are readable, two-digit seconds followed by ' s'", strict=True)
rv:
9 h 34 min
